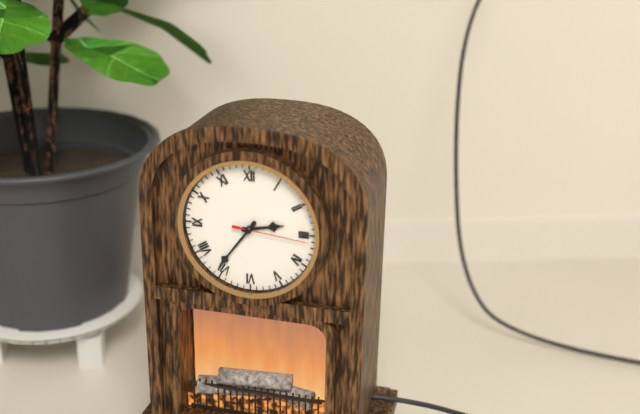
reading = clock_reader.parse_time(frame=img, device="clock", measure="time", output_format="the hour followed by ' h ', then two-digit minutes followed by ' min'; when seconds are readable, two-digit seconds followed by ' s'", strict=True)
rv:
2 h 36 min 16 s
